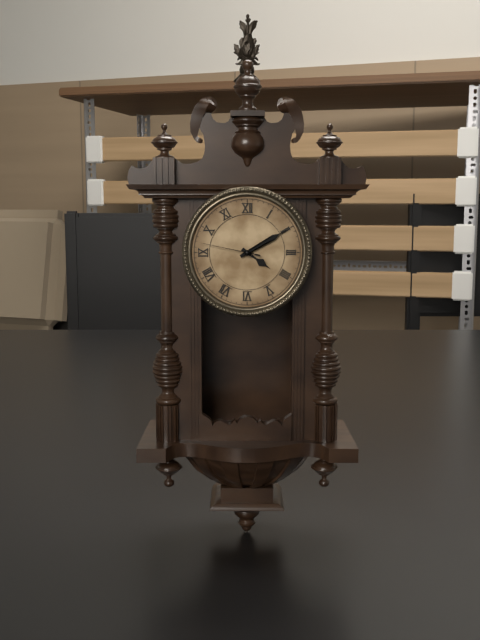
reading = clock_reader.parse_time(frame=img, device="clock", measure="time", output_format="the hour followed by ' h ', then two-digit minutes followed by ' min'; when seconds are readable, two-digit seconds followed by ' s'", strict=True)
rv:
4 h 10 min 47 s
